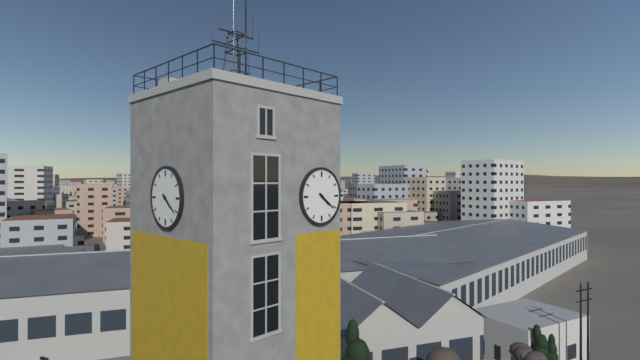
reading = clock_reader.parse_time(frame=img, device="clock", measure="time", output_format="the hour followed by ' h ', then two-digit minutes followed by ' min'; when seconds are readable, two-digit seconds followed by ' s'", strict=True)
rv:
4 h 21 min
